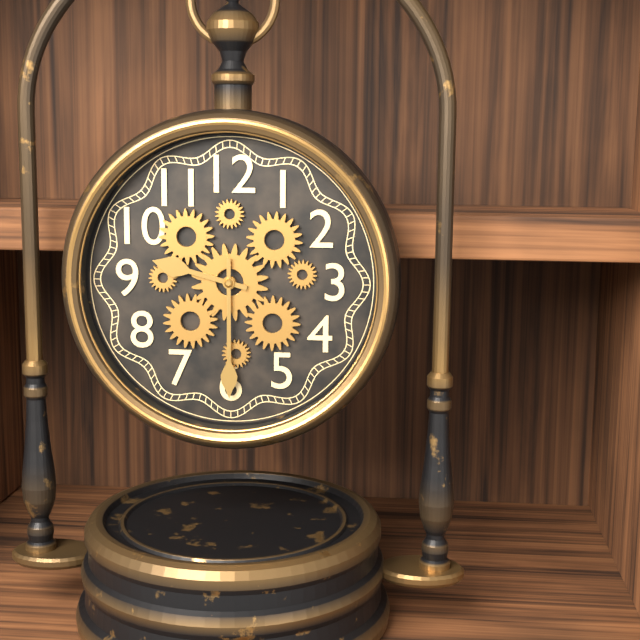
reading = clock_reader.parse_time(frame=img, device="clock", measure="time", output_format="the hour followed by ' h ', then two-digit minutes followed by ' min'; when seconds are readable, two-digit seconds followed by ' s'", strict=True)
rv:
9 h 30 min
